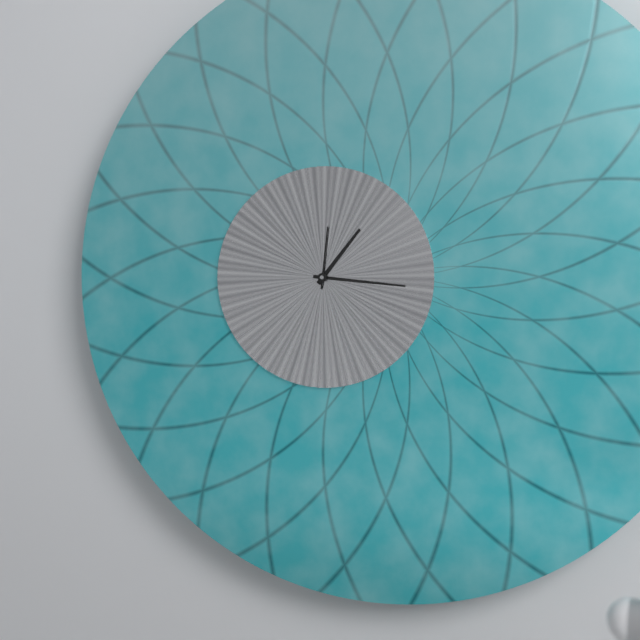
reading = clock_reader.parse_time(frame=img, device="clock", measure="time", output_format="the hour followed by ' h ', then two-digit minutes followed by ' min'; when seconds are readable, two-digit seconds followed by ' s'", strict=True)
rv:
1 h 16 min 01 s
